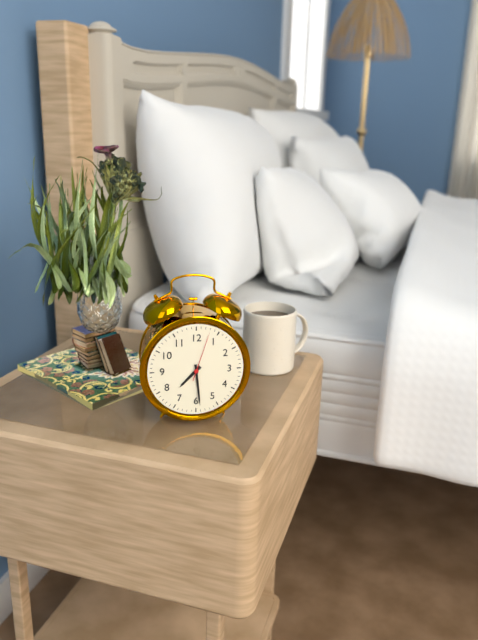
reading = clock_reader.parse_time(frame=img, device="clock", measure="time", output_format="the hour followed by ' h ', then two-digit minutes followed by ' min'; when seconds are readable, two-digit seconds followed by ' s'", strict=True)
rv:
7 h 29 min 03 s
